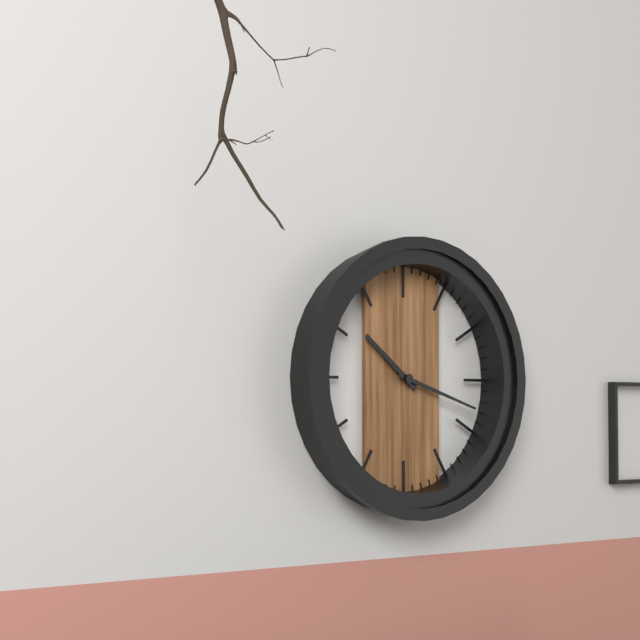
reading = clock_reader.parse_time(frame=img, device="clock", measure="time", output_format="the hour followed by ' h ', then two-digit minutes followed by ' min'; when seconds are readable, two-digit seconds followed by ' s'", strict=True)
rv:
10 h 18 min
